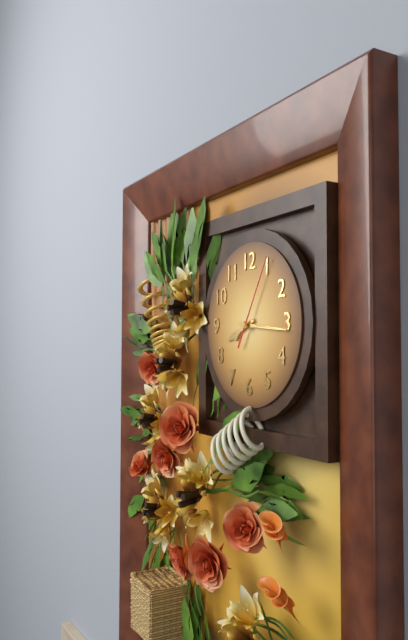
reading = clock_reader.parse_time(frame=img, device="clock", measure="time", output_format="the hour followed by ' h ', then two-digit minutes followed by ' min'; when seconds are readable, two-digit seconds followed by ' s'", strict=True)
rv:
8 h 16 min 05 s
